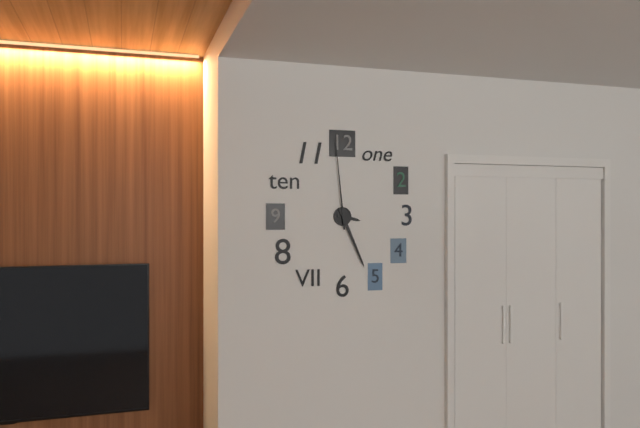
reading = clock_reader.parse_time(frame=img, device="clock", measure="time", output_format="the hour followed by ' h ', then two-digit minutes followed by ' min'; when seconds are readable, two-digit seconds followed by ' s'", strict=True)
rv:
3 h 26 min 59 s
